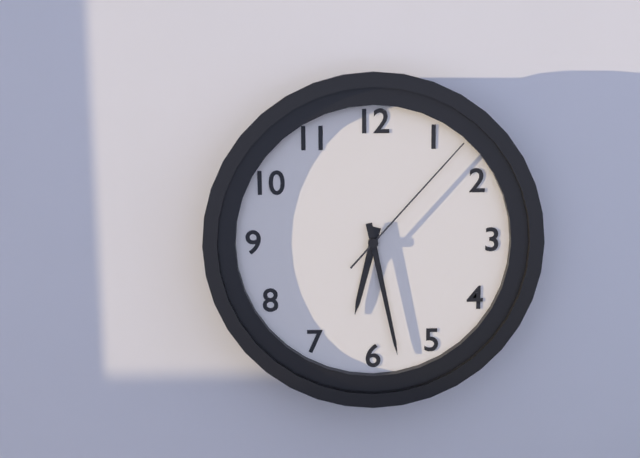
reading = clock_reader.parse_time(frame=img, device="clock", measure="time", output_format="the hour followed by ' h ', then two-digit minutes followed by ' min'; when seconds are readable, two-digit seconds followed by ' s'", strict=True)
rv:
6 h 28 min 07 s
